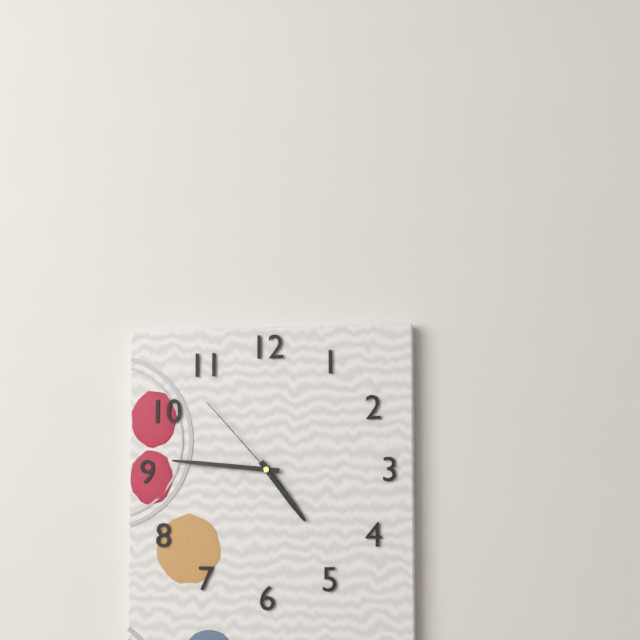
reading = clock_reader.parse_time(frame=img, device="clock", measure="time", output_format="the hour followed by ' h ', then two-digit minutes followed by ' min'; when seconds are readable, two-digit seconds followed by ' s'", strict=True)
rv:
4 h 46 min 53 s
